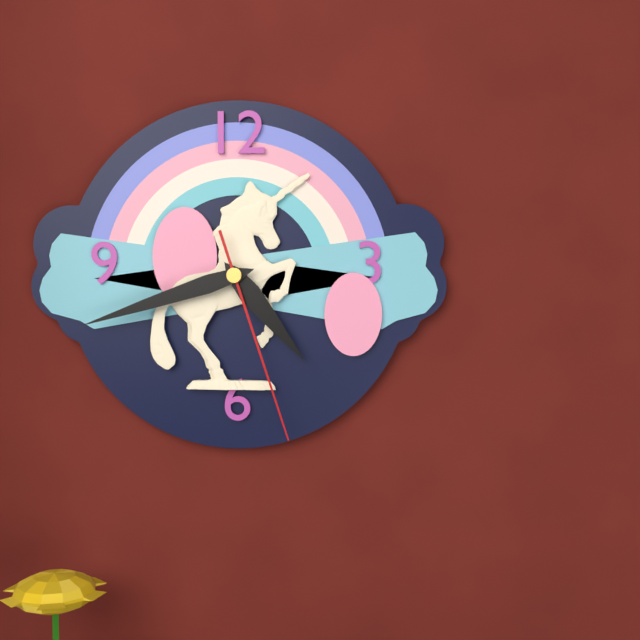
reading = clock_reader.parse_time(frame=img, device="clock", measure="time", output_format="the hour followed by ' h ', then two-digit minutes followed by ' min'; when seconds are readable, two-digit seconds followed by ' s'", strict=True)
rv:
4 h 42 min 27 s
